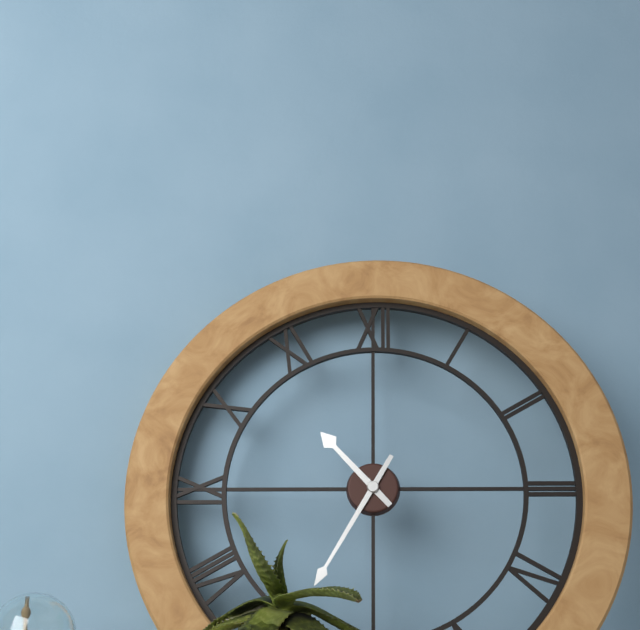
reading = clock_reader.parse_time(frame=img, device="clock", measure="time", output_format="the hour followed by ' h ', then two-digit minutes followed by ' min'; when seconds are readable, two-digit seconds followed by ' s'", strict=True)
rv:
10 h 35 min
